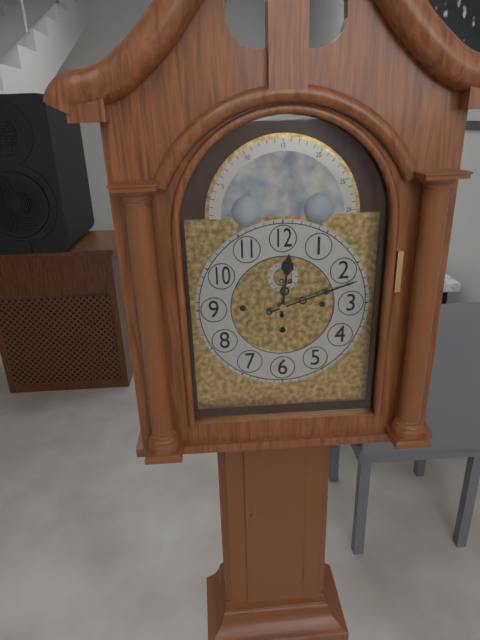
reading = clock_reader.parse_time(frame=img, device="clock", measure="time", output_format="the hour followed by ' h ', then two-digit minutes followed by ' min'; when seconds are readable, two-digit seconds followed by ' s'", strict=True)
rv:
12 h 12 min
